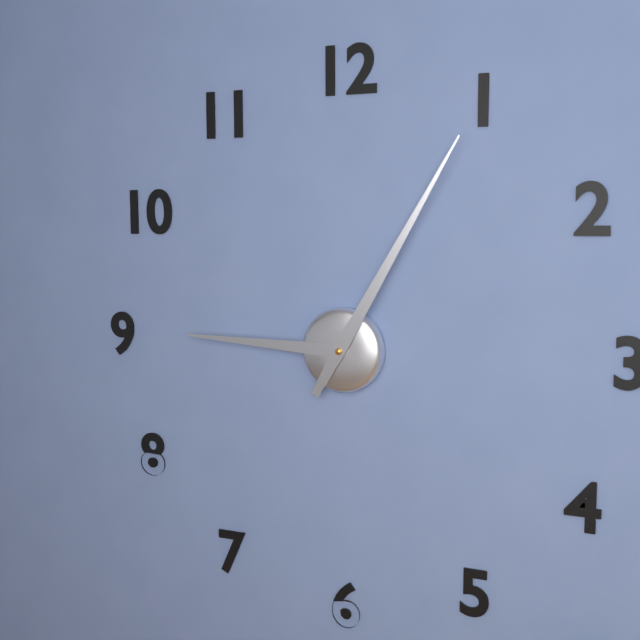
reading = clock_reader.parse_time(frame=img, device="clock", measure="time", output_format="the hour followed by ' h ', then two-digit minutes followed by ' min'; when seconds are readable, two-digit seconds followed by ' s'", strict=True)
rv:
9 h 05 min
